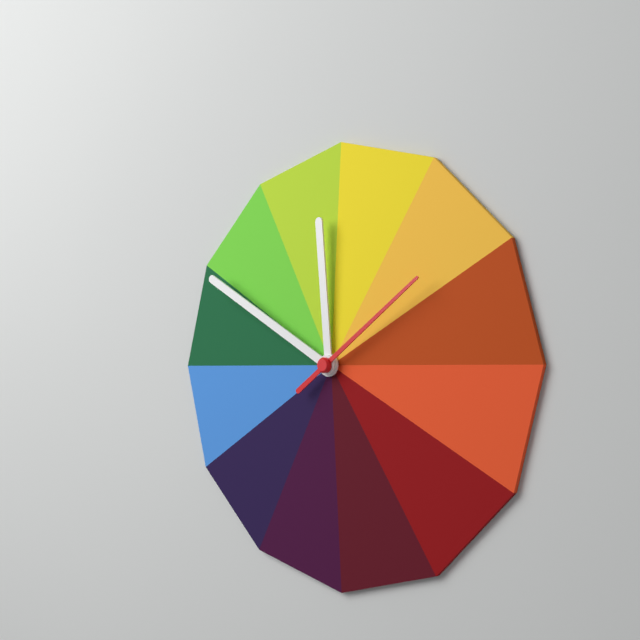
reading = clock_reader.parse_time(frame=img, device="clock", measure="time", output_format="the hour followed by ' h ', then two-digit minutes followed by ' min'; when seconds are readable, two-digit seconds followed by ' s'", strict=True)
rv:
11 h 50 min 09 s
